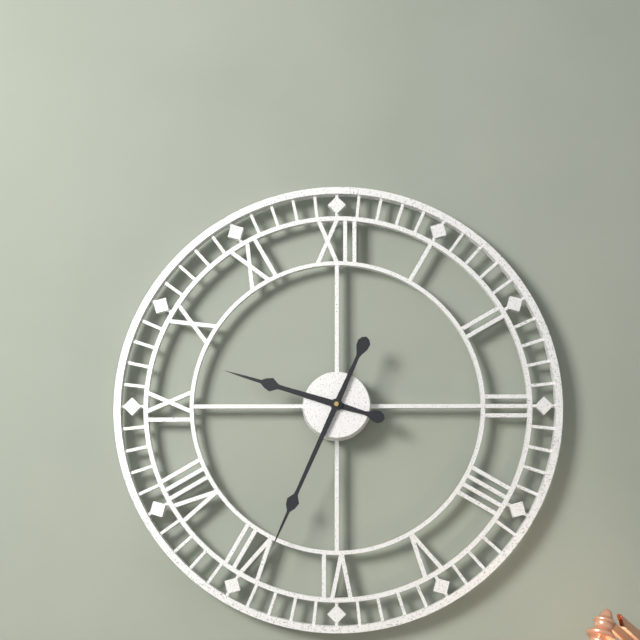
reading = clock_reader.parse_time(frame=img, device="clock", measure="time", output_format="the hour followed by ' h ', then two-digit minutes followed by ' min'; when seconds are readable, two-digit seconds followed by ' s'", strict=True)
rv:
9 h 34 min
